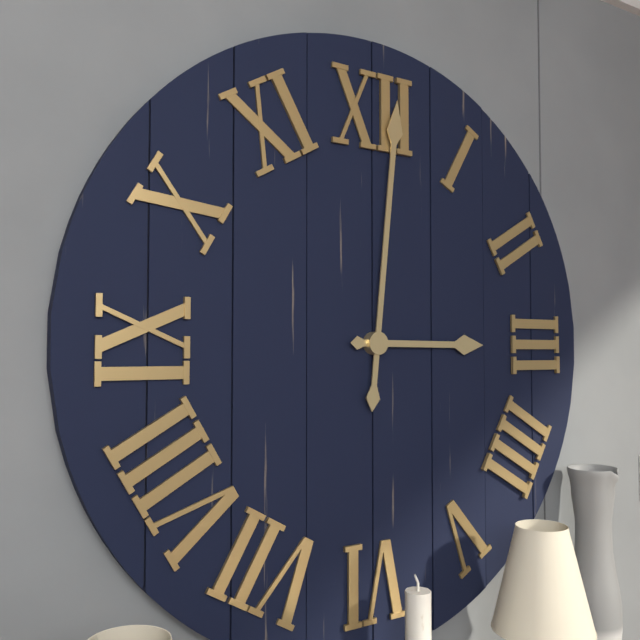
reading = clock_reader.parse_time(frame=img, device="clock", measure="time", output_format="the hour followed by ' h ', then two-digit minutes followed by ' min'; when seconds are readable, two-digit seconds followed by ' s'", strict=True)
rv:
3 h 01 min
